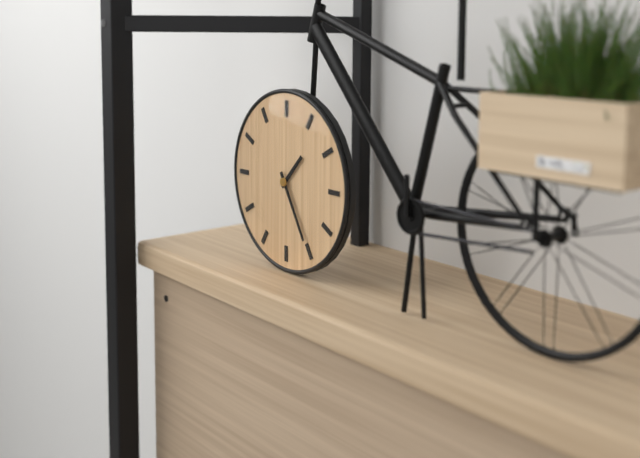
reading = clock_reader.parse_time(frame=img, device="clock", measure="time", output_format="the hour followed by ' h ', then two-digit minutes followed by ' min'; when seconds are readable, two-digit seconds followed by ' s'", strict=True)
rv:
1 h 25 min
